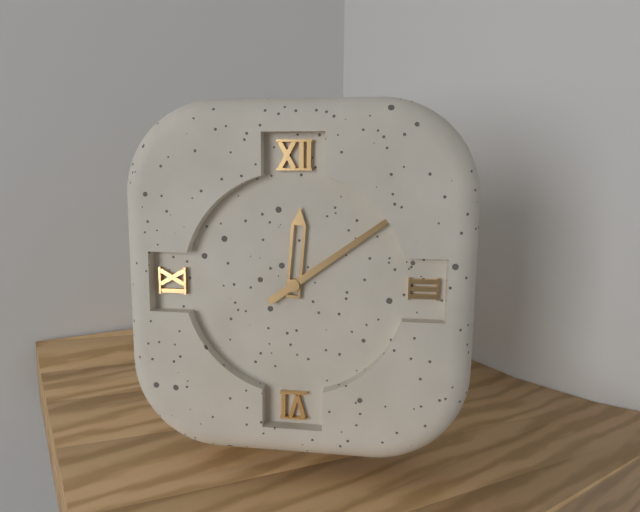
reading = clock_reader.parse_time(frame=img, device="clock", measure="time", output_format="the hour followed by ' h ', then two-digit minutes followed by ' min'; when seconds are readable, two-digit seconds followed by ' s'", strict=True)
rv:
12 h 09 min
